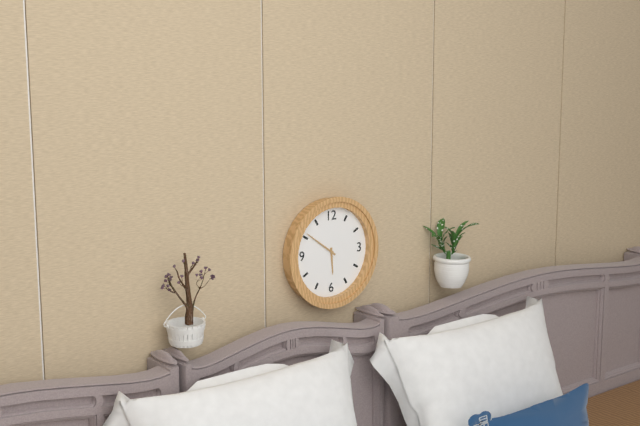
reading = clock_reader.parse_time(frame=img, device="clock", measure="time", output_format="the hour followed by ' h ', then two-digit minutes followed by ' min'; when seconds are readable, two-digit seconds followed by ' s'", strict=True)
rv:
5 h 51 min
